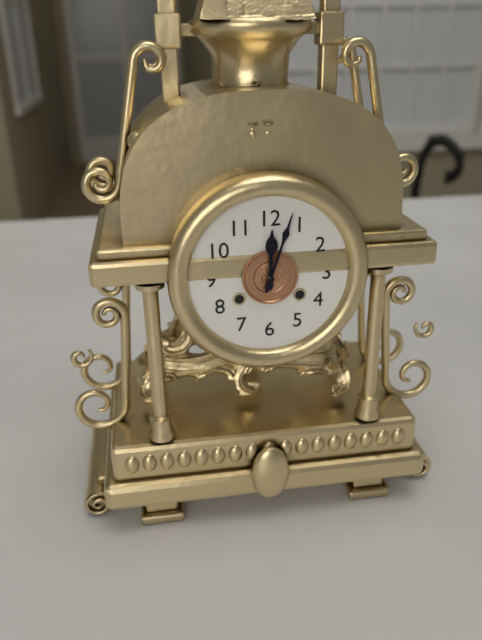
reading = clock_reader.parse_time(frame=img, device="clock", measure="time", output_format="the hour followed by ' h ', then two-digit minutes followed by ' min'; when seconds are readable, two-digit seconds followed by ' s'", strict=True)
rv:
12 h 03 min
